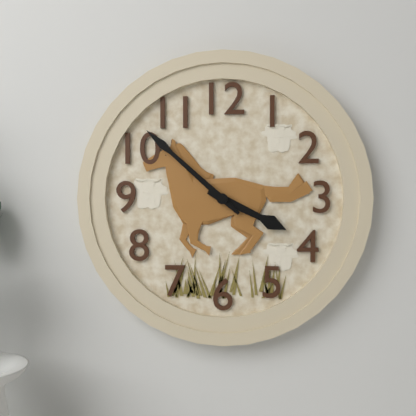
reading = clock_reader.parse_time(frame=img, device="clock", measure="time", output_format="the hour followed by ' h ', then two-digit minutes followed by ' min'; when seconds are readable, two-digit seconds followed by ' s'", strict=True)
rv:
3 h 52 min
